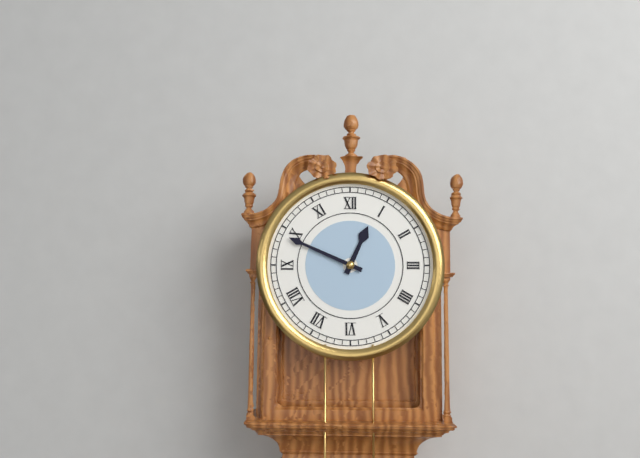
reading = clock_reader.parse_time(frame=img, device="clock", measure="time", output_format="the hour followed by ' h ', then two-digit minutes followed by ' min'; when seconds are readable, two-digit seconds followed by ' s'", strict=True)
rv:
12 h 49 min
